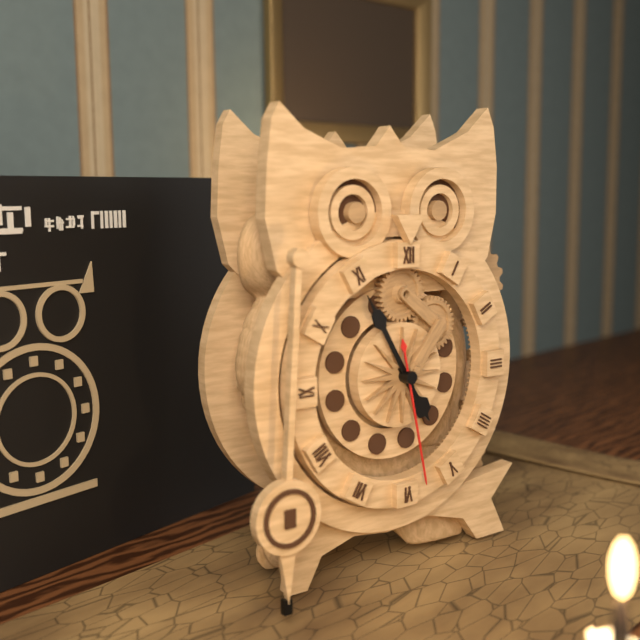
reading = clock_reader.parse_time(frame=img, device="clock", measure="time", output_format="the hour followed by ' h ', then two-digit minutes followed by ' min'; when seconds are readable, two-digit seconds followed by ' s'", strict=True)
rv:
4 h 55 min 28 s
